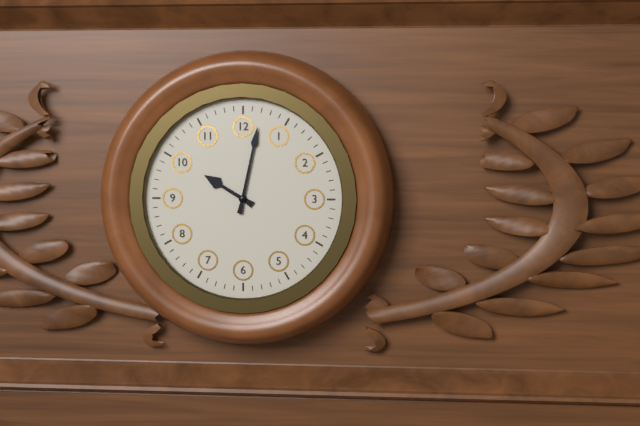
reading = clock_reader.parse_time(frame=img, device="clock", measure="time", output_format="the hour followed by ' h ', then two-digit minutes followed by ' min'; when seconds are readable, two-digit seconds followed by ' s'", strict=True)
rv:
10 h 02 min
